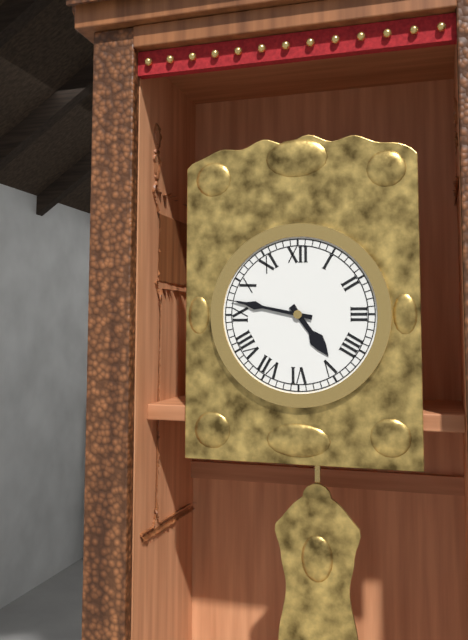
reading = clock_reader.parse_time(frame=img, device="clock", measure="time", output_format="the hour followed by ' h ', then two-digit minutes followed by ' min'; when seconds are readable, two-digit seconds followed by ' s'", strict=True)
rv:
4 h 47 min
